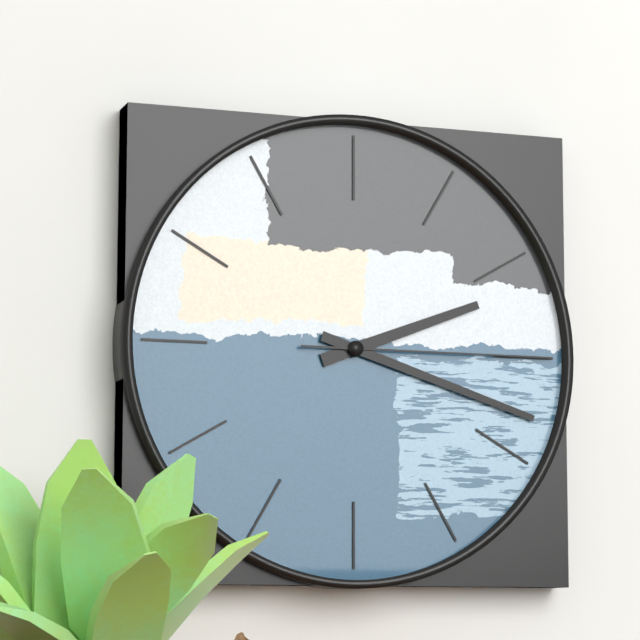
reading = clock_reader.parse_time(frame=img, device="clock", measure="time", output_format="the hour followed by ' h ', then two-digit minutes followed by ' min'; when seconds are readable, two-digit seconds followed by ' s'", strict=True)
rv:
2 h 18 min 15 s
